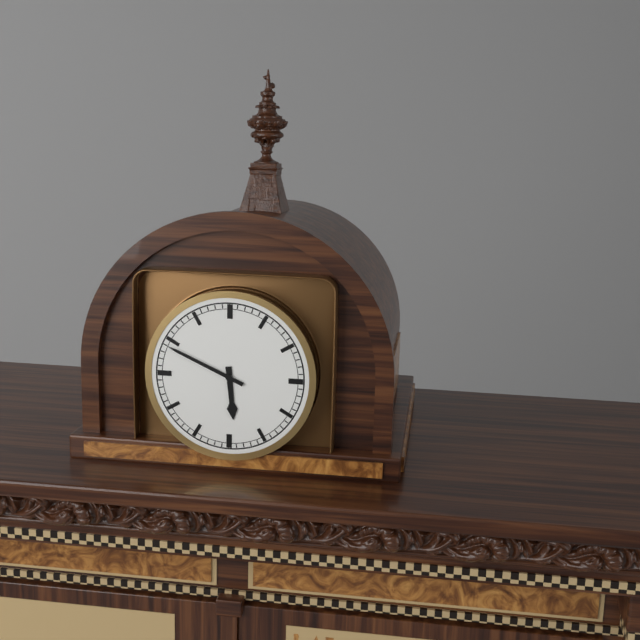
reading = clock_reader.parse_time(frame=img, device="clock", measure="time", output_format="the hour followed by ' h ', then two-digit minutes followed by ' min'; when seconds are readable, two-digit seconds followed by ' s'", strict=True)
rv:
5 h 49 min
